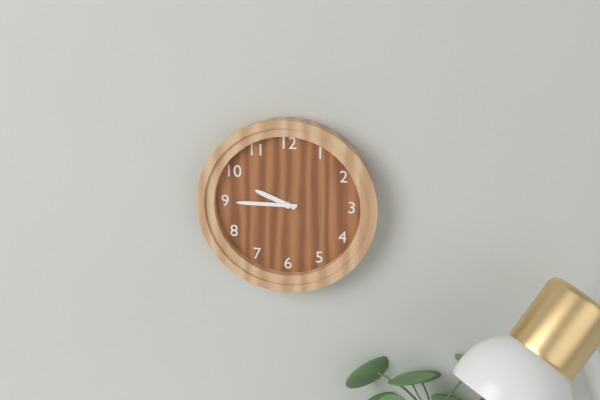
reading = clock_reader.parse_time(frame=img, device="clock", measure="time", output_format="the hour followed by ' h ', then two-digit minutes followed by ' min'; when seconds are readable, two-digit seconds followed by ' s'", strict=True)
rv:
9 h 45 min
